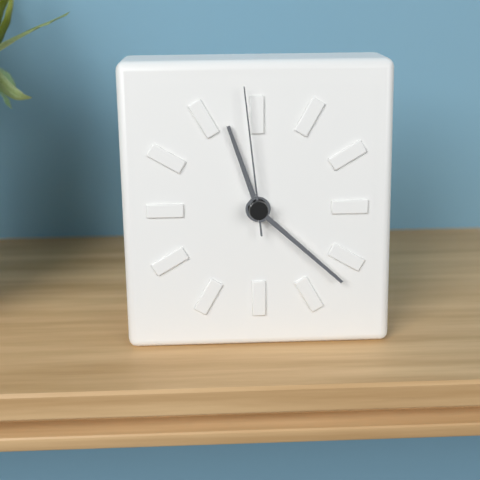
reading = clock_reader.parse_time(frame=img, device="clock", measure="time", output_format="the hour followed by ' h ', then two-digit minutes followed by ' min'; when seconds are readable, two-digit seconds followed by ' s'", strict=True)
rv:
11 h 22 min 59 s
